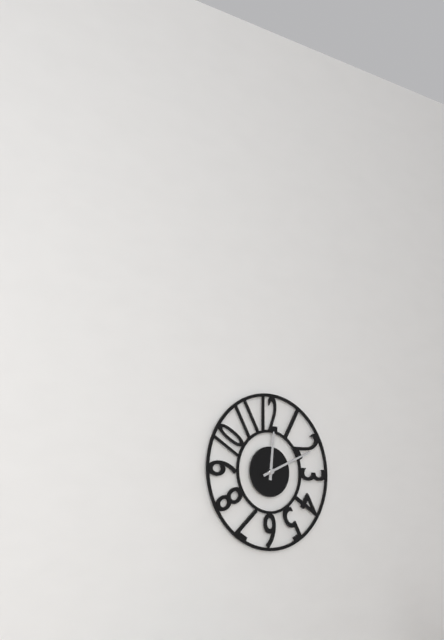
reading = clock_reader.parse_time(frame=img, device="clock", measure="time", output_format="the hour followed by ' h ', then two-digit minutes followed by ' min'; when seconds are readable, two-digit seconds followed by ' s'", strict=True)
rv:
12 h 11 min
